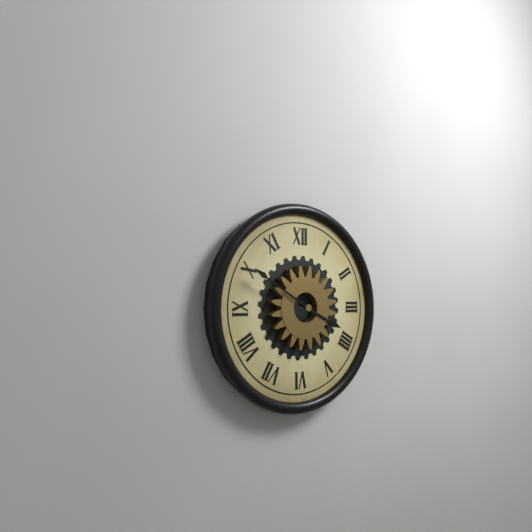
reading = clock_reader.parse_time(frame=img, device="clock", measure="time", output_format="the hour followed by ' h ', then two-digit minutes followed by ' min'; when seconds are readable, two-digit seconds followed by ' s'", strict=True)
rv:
3 h 50 min
